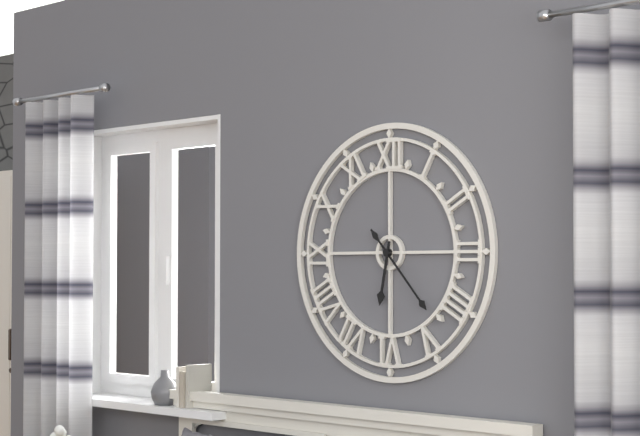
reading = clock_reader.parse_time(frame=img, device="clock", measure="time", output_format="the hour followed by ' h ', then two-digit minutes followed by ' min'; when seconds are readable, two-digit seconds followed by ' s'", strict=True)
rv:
6 h 23 min
